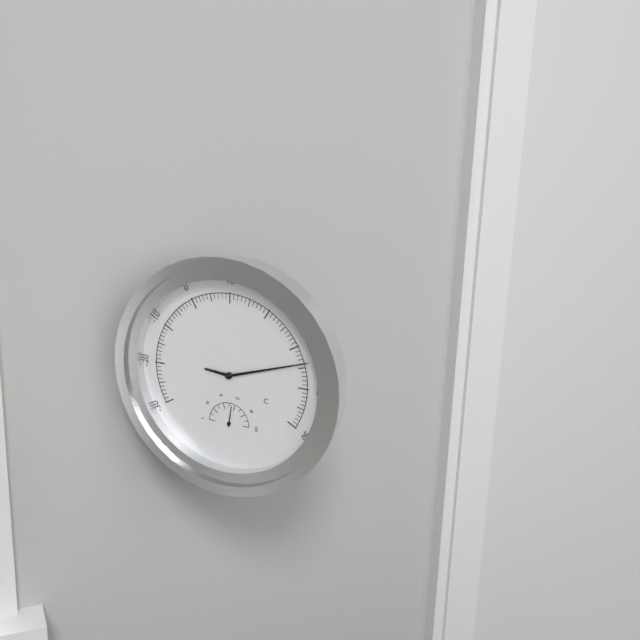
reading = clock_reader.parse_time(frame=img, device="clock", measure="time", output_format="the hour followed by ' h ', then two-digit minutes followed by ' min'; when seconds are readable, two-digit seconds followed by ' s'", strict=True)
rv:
9 h 12 min
